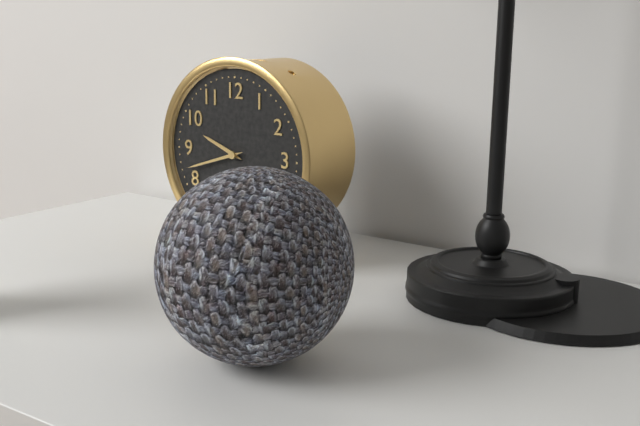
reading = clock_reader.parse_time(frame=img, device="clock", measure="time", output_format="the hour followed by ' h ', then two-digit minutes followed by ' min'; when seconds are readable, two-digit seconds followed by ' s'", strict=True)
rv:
9 h 42 min
